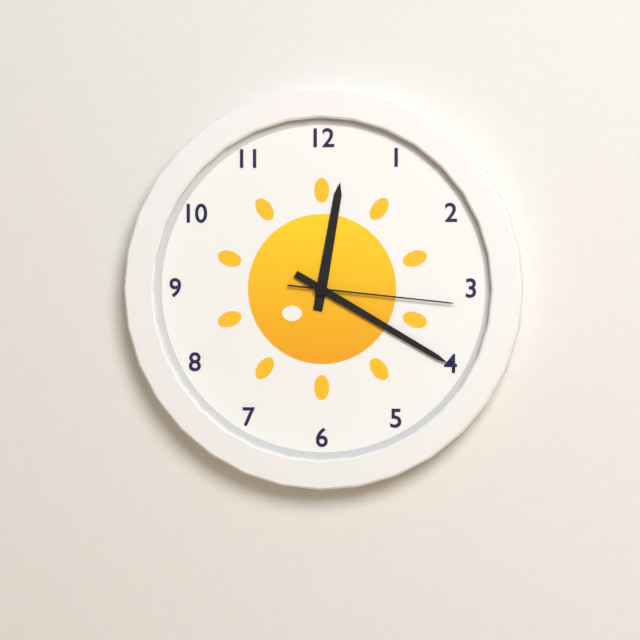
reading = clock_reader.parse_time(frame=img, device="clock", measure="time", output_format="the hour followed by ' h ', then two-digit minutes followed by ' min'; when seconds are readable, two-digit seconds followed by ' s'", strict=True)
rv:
12 h 20 min 16 s
